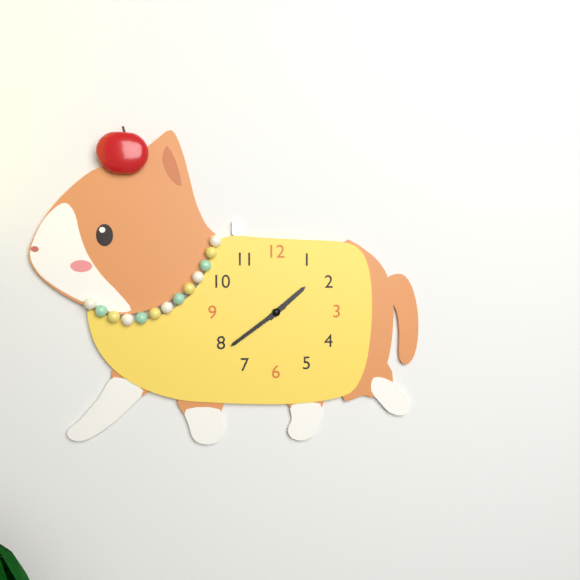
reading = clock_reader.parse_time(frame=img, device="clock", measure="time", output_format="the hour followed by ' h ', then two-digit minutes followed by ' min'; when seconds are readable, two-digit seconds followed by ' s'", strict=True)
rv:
1 h 39 min
